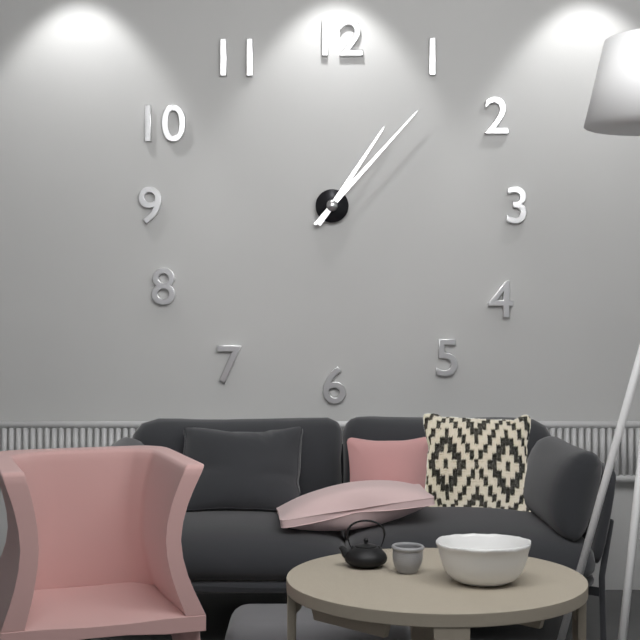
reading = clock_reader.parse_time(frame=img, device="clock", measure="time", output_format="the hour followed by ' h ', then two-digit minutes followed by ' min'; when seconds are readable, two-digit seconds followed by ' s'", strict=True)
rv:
1 h 07 min
